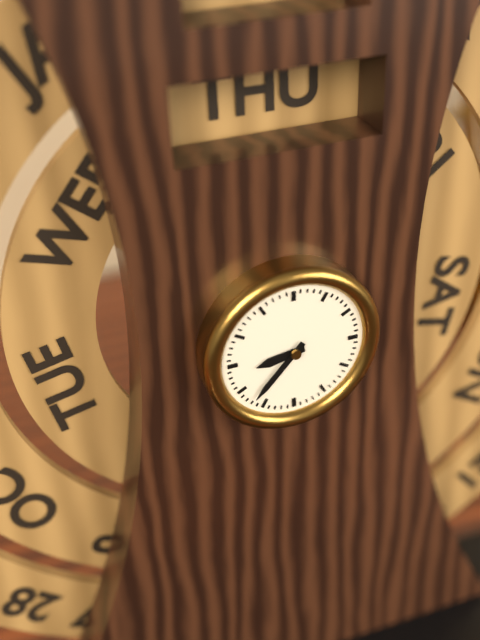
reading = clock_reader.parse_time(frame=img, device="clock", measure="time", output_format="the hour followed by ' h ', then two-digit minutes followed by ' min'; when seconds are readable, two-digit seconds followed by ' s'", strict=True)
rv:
8 h 37 min
